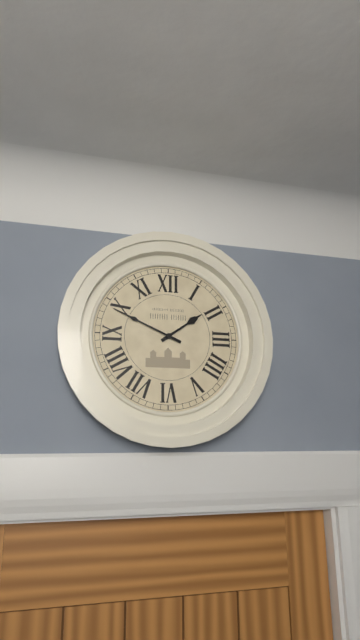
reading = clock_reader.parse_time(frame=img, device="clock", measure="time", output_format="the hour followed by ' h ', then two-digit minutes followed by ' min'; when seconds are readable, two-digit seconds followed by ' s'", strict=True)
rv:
1 h 49 min
